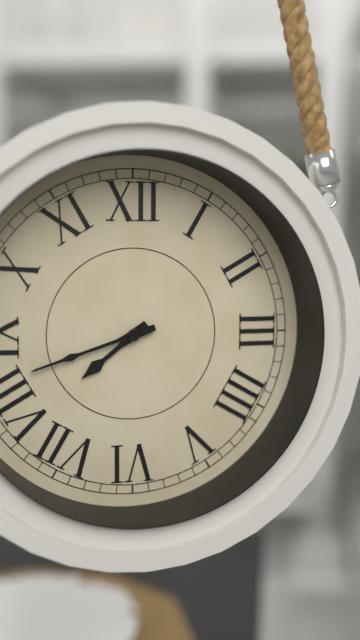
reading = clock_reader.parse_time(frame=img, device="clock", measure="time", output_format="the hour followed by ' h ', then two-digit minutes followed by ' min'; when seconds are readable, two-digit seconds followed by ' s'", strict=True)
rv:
7 h 42 min
